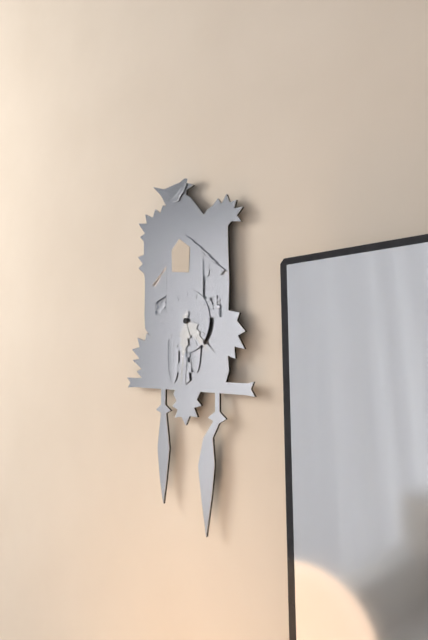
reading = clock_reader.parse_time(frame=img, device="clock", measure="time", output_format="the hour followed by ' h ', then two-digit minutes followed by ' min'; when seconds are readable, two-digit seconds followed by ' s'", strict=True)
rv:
4 h 31 min
